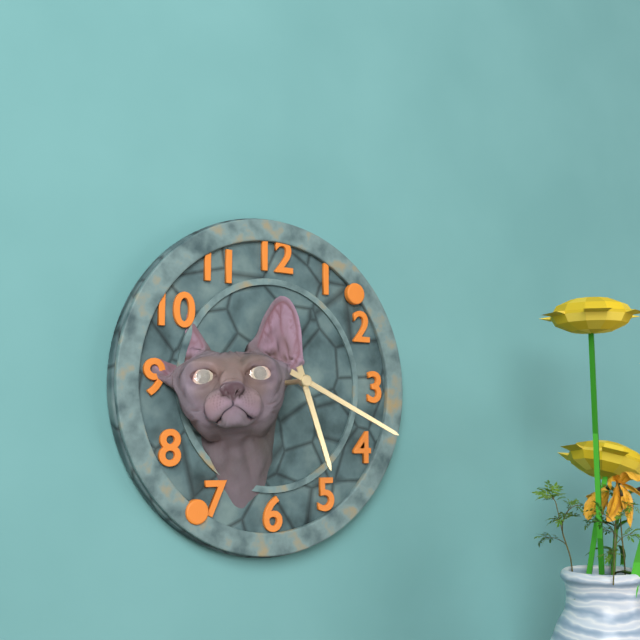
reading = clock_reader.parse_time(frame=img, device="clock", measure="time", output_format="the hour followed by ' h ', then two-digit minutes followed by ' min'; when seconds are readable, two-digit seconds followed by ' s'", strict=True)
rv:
5 h 19 min
